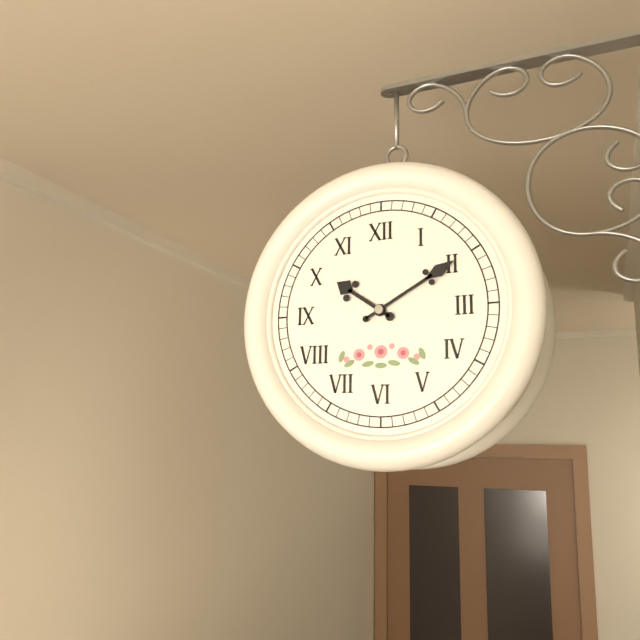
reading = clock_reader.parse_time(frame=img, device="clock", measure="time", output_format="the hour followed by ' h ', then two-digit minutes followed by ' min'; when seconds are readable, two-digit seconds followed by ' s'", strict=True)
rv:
10 h 10 min
